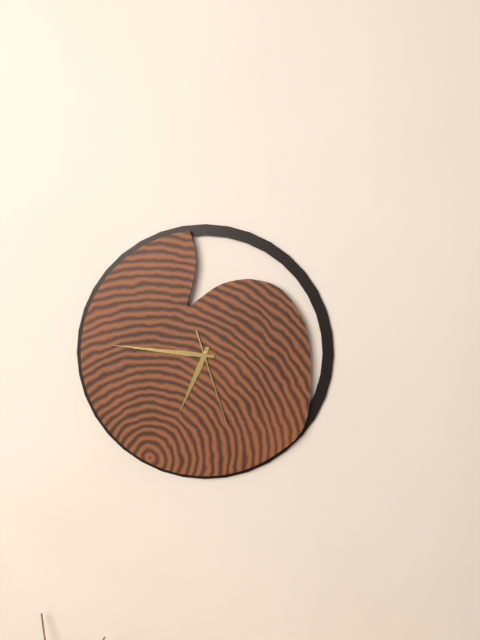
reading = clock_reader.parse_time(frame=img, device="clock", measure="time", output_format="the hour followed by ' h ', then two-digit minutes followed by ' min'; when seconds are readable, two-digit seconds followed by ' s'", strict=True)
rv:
6 h 46 min 27 s
